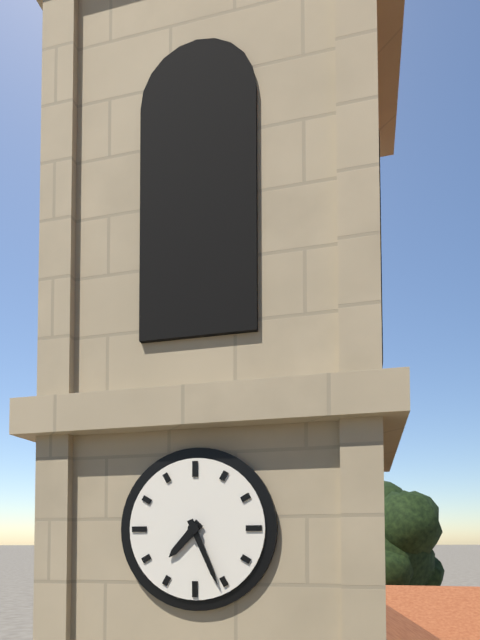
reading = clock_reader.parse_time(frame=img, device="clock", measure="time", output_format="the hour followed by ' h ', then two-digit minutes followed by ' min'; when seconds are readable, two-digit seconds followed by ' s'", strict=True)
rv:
7 h 26 min
